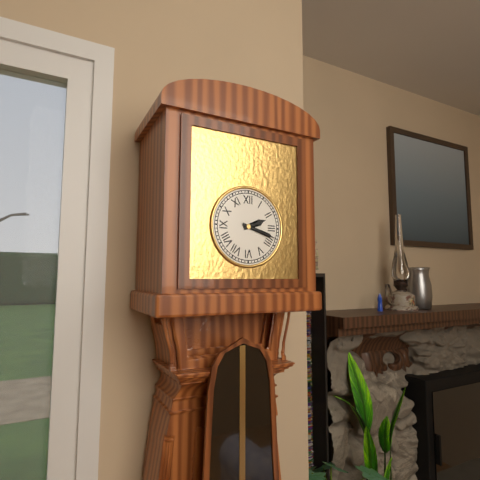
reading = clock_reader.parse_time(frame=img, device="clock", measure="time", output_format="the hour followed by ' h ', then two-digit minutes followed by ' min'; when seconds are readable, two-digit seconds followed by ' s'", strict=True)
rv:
2 h 18 min
